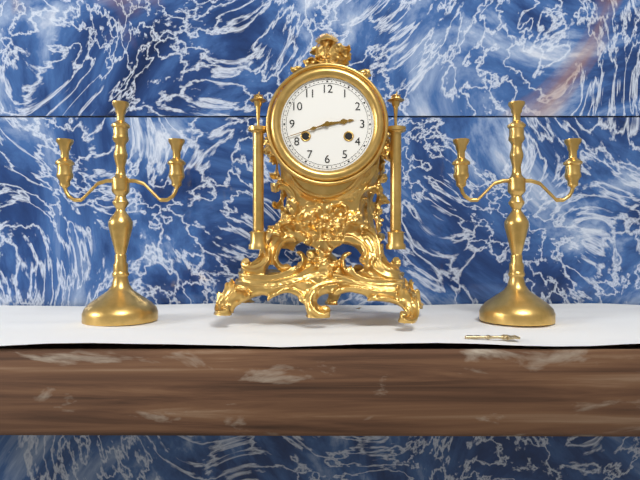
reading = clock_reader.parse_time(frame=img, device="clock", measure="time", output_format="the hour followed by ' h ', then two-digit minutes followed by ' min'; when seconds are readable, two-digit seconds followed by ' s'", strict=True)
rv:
2 h 42 min
